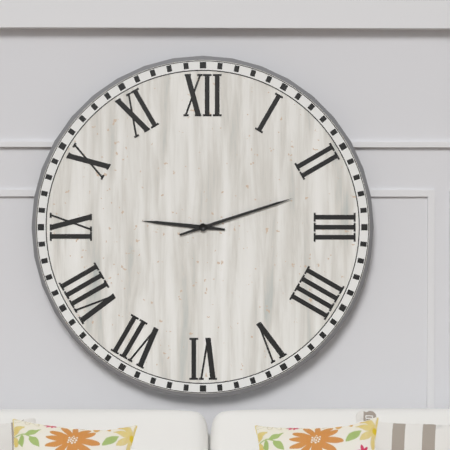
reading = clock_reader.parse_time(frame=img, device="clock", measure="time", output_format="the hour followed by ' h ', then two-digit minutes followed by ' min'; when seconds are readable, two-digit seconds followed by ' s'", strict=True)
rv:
9 h 12 min
